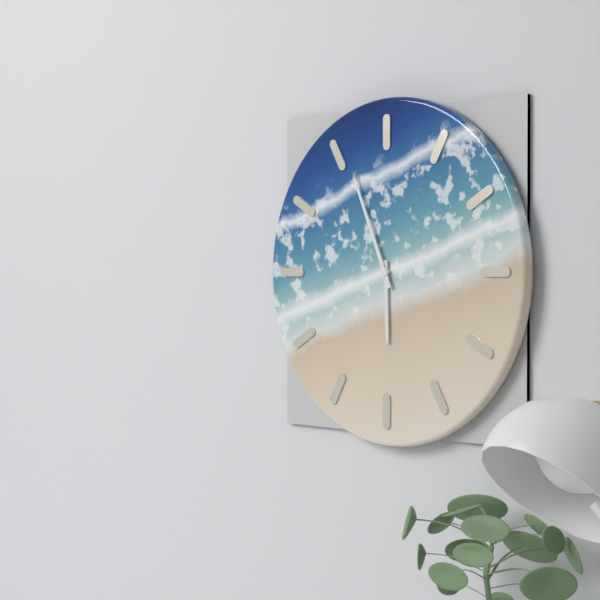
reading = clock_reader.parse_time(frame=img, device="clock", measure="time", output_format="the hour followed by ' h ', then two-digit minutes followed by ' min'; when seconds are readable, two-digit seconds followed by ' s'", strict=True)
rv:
5 h 56 min
